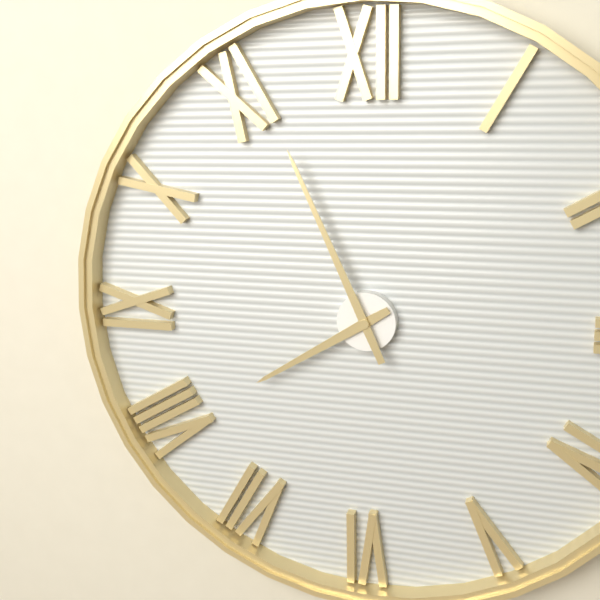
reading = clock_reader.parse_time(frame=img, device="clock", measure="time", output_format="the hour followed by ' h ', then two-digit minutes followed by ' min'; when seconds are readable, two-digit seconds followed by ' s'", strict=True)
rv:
7 h 56 min
